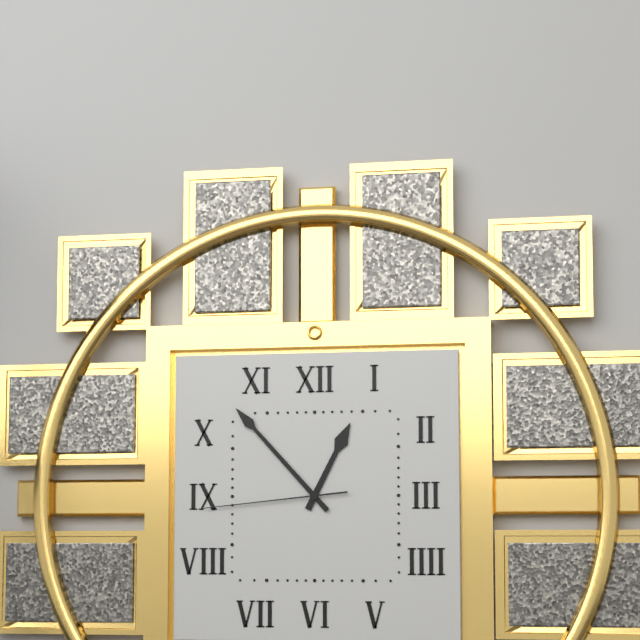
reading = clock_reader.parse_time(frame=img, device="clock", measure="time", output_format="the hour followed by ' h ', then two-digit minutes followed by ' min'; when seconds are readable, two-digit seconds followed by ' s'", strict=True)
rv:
12 h 53 min 44 s
